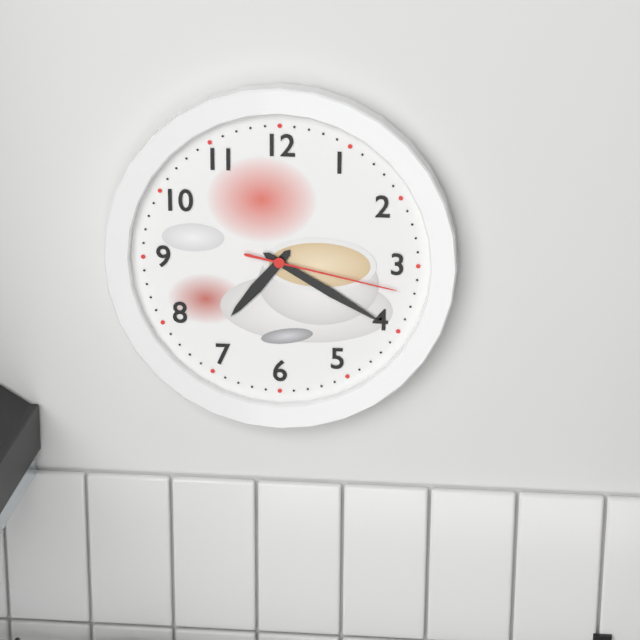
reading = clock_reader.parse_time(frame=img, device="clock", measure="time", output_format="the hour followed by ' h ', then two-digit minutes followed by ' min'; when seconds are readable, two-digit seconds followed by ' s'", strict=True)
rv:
7 h 20 min 17 s
